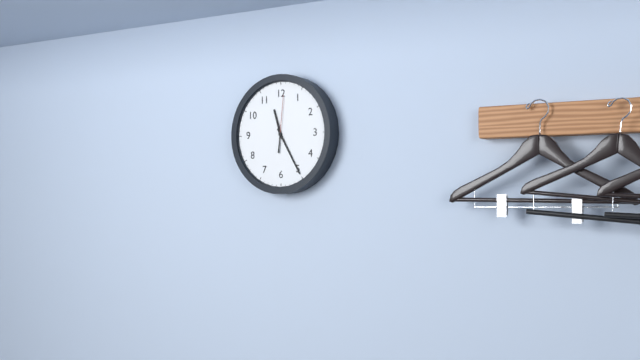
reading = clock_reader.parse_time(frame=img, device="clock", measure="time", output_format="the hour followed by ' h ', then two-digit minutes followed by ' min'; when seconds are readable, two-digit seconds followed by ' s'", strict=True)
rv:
11 h 25 min 01 s
